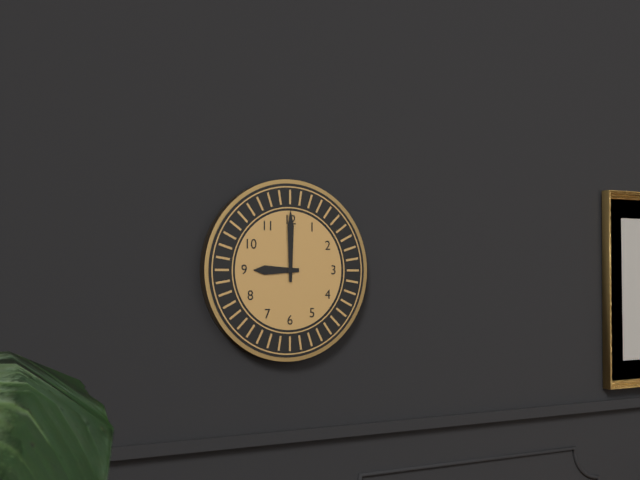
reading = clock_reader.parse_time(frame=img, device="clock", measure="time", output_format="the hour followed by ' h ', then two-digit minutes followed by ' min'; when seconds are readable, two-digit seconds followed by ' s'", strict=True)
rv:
9 h 00 min
